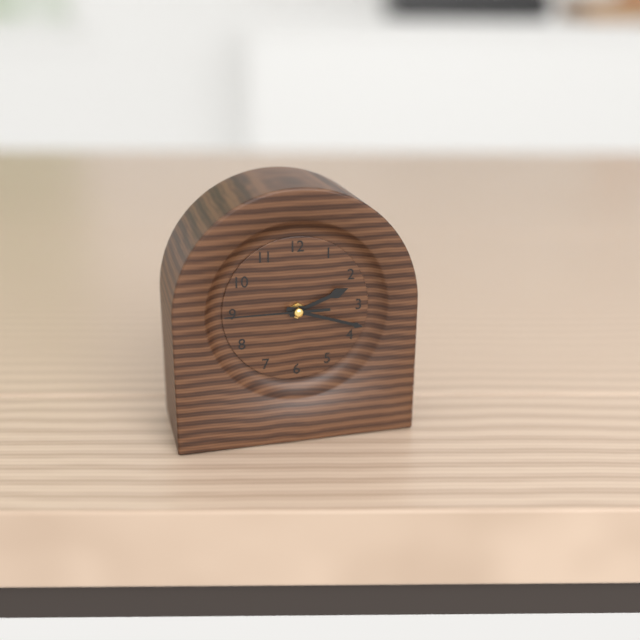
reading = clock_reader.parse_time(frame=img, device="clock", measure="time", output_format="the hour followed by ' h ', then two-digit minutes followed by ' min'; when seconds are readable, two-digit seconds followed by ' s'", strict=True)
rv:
2 h 18 min 45 s
